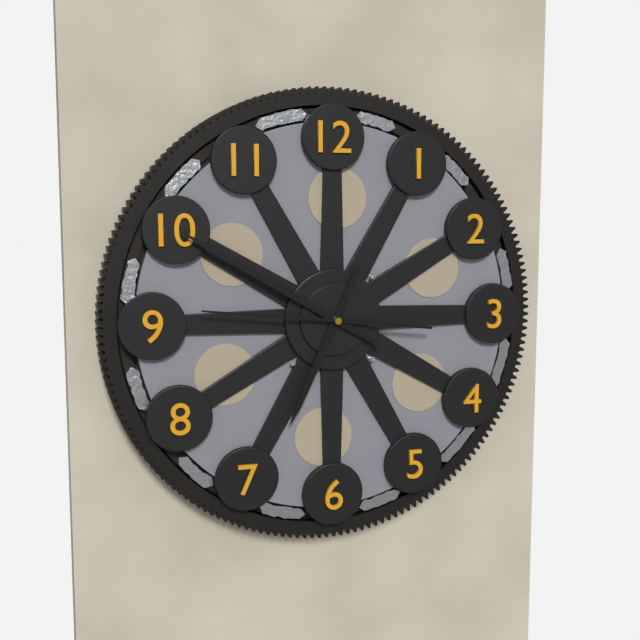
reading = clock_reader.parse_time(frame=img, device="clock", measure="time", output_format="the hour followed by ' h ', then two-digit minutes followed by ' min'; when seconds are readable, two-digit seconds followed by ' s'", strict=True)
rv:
6 h 50 min 46 s
